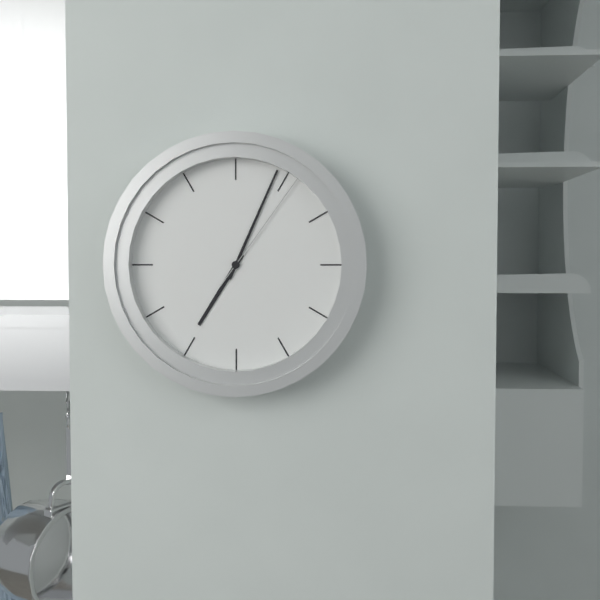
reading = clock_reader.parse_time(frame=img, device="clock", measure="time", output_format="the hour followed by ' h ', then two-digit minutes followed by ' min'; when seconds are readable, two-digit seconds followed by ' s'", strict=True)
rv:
7 h 04 min 06 s
